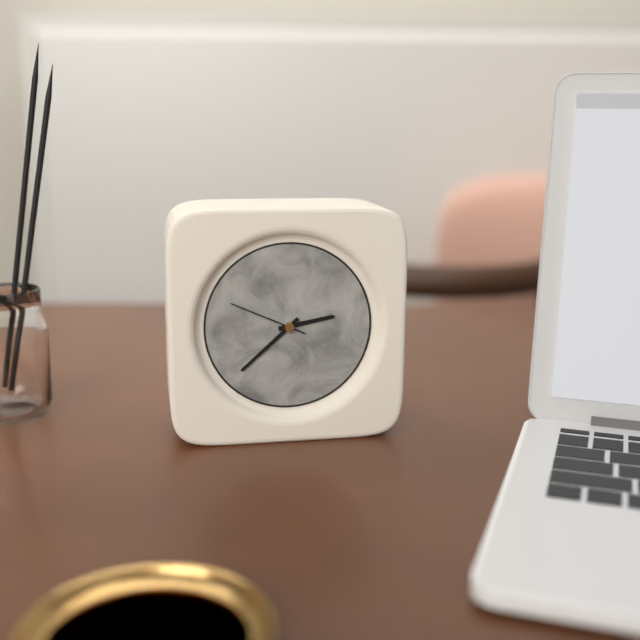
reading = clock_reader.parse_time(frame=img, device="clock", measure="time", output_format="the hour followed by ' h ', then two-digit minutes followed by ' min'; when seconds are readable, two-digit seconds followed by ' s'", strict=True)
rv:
2 h 38 min 49 s
